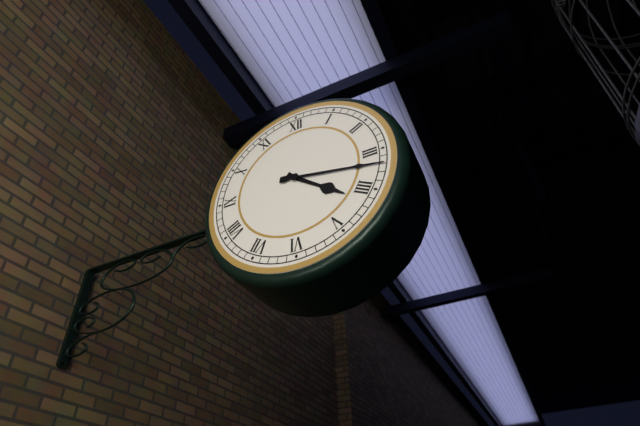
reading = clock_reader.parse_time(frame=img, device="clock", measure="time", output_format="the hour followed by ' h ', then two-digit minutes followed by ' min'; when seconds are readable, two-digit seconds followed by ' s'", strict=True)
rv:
4 h 17 min
